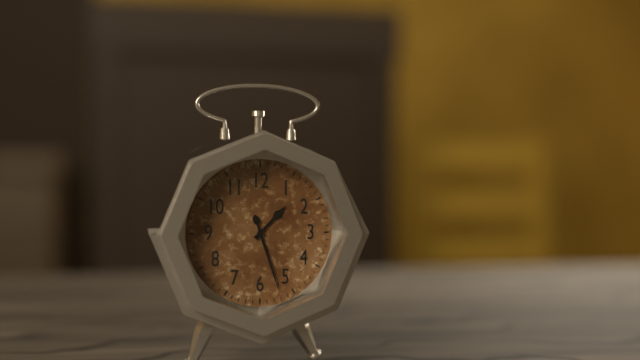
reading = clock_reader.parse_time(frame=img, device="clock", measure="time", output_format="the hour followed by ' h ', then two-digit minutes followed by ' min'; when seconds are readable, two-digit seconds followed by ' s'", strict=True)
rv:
1 h 27 min
